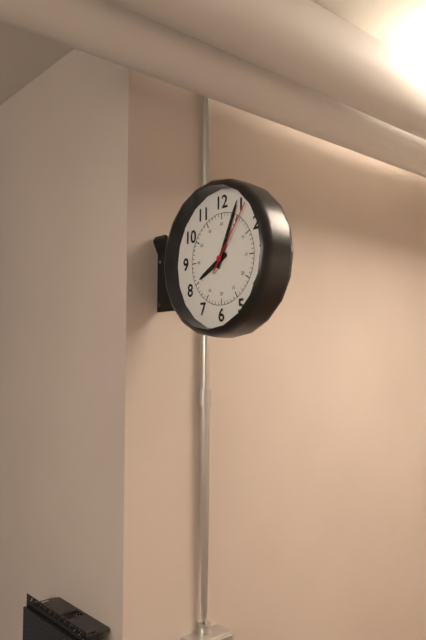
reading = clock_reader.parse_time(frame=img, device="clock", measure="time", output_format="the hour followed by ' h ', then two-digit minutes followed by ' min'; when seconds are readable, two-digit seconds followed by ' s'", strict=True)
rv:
8 h 04 min 06 s
